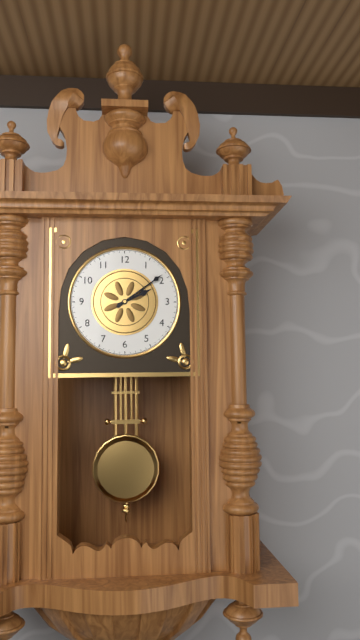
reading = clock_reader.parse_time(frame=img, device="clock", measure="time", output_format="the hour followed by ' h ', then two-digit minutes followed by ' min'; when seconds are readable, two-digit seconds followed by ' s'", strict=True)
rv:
2 h 09 min
